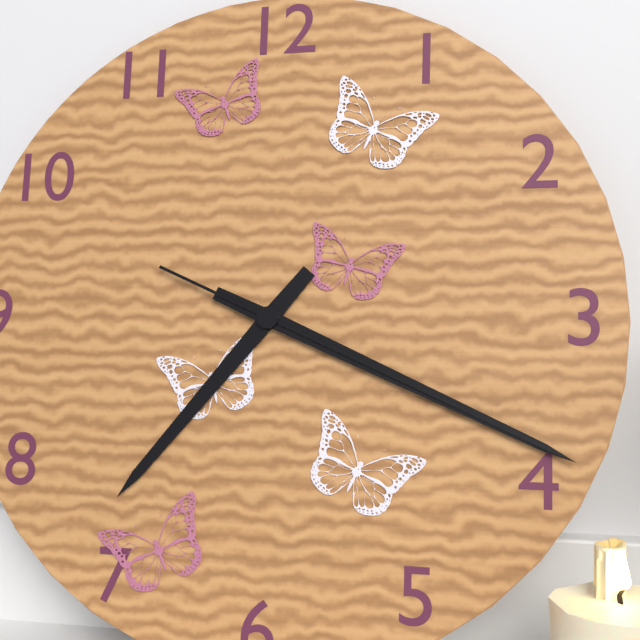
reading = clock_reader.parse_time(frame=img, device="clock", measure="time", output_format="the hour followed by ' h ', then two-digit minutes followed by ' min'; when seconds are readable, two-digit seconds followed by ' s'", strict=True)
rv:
7 h 19 min 19 s
